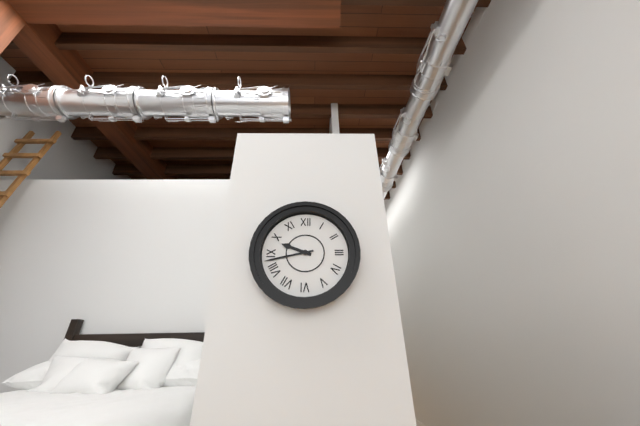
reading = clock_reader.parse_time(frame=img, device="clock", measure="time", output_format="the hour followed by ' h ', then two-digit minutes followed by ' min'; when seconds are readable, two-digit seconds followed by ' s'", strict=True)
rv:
9 h 43 min
